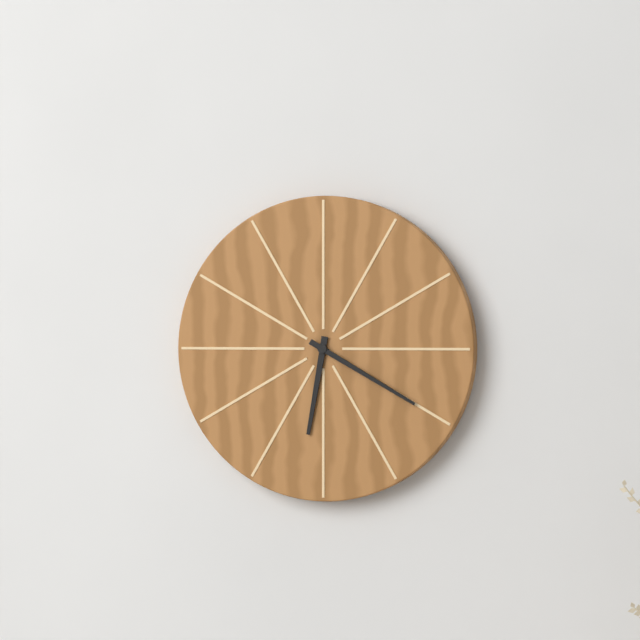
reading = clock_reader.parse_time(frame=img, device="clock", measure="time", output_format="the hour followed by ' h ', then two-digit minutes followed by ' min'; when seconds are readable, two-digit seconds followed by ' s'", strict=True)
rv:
6 h 20 min
